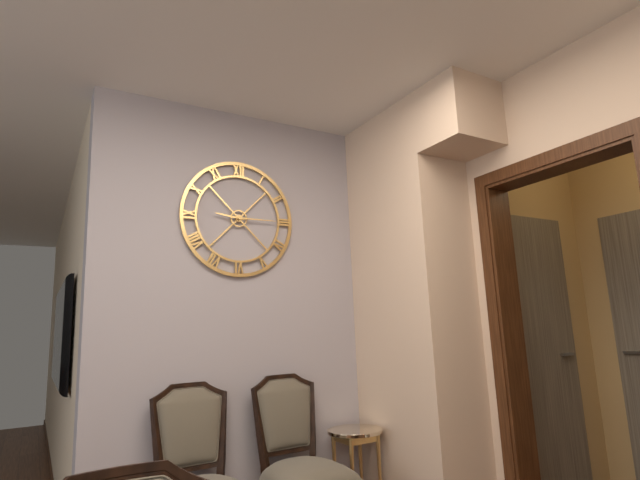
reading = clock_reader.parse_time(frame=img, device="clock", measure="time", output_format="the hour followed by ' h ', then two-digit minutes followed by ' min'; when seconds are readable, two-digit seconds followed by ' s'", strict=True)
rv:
9 h 15 min
